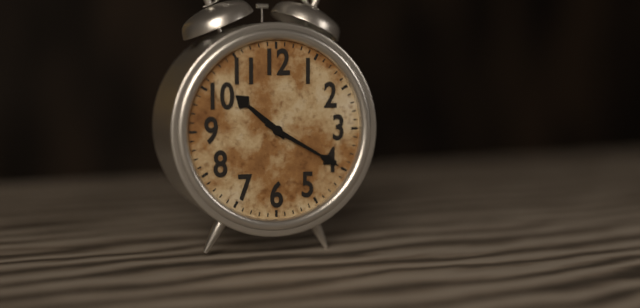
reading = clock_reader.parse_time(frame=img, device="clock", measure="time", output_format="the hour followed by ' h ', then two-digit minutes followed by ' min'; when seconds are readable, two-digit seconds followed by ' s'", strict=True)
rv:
10 h 20 min
